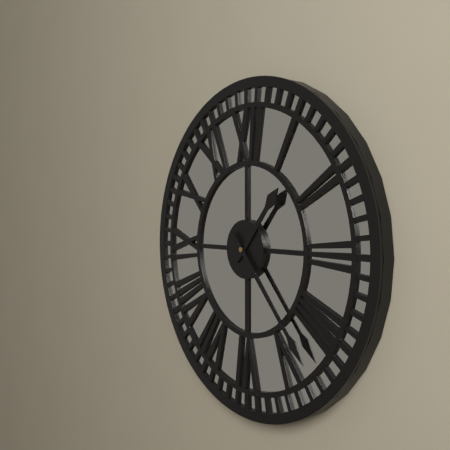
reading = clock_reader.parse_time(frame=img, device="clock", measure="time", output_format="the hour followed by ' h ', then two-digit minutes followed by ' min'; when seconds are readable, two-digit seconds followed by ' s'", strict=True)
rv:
1 h 23 min
